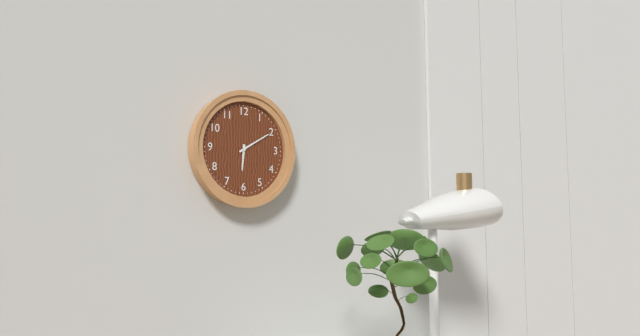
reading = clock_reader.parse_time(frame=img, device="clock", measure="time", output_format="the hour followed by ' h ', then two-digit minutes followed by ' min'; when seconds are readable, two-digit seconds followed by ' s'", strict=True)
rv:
6 h 10 min
